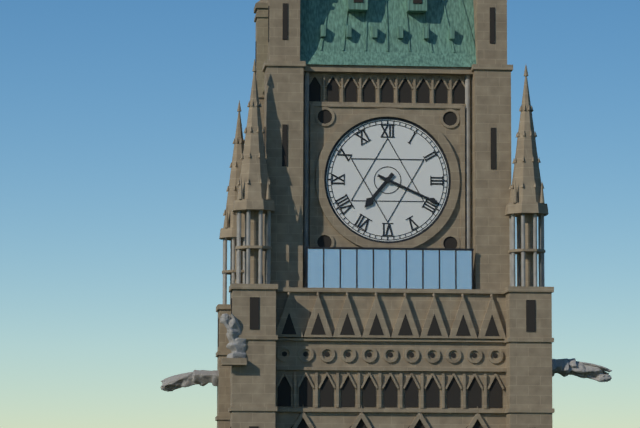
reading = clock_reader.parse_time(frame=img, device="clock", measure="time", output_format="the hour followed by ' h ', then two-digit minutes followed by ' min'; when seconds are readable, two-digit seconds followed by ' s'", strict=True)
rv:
7 h 19 min
